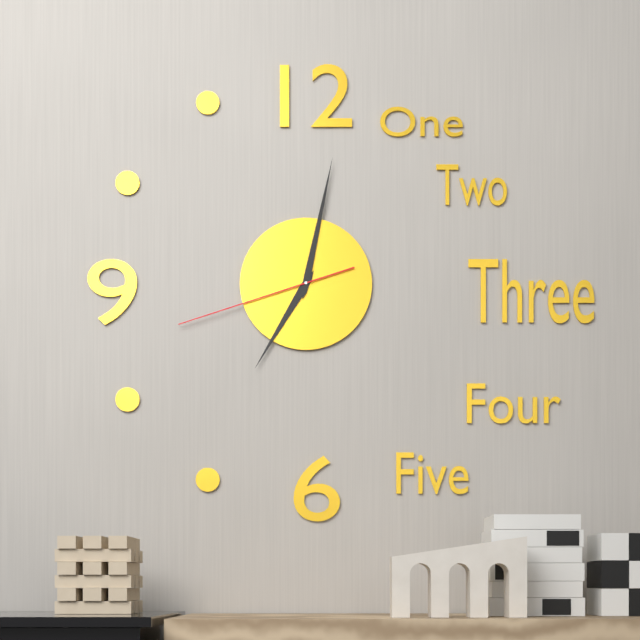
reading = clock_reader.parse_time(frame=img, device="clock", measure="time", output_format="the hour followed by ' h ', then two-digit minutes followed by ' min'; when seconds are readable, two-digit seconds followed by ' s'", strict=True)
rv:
7 h 02 min 42 s
